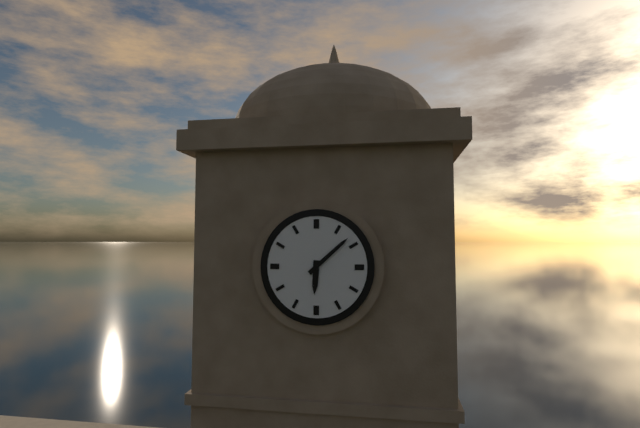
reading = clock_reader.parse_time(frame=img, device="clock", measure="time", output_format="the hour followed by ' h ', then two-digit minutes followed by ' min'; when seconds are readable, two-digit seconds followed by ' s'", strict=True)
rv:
6 h 08 min
